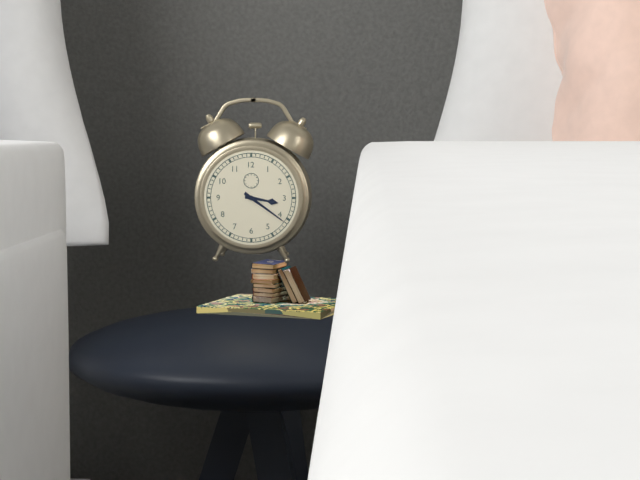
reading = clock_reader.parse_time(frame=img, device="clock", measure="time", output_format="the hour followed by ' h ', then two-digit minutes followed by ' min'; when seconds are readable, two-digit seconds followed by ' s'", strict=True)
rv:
3 h 21 min
